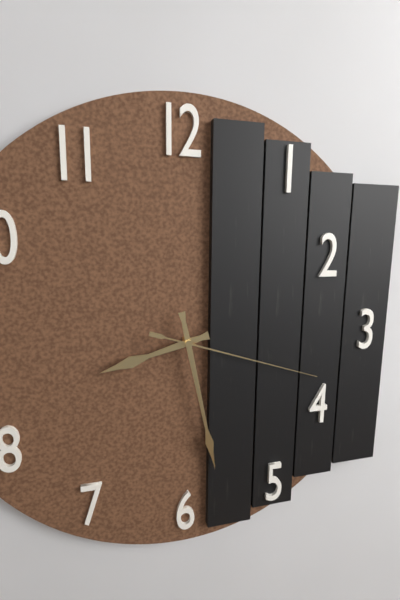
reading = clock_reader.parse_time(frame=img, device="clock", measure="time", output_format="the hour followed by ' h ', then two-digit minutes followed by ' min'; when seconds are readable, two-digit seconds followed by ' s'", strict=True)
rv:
8 h 28 min 18 s
